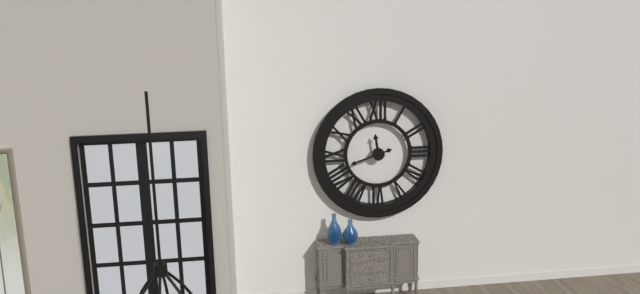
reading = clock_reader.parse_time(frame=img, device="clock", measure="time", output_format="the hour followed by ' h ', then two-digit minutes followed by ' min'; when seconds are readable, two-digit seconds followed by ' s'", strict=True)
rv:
11 h 42 min
